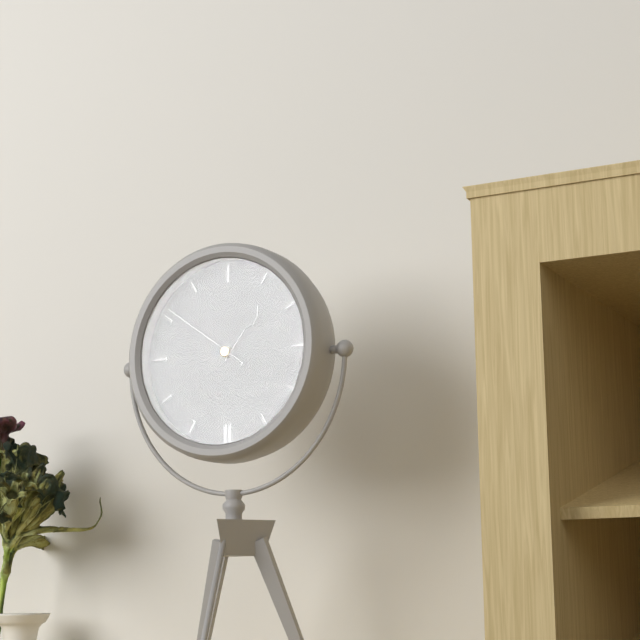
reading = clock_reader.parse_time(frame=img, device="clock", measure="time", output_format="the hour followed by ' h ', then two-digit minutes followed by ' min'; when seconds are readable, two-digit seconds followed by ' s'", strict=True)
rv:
1 h 18 min 51 s
